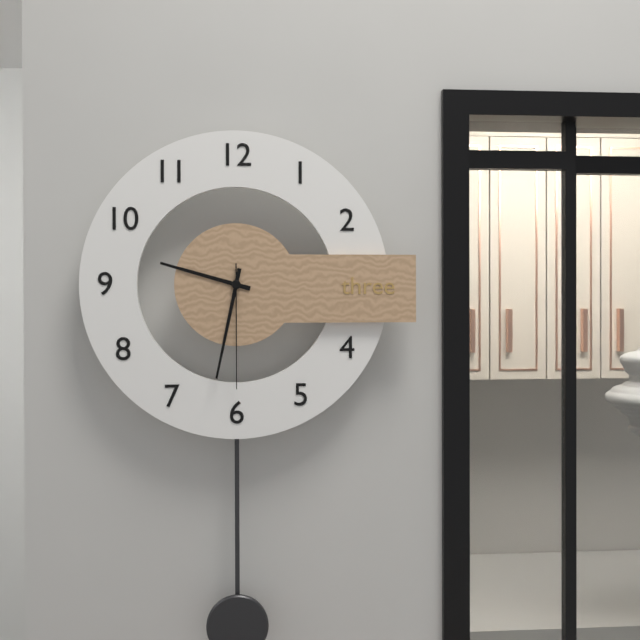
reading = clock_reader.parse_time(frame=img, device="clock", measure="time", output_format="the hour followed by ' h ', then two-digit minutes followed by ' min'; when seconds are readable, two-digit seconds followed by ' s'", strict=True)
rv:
9 h 32 min 30 s
